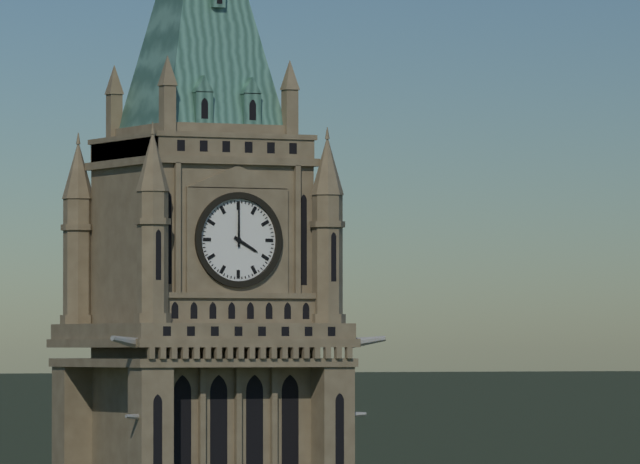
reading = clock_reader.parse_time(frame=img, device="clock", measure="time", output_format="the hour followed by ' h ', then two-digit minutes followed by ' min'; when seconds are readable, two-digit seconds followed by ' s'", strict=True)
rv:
4 h 00 min
